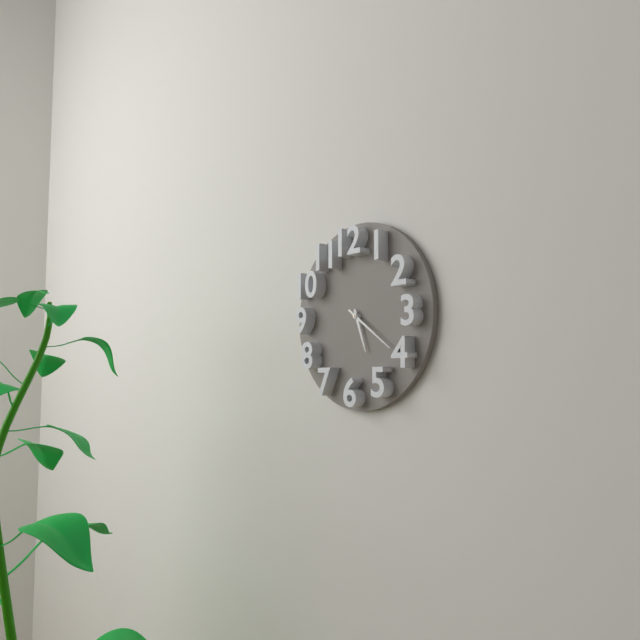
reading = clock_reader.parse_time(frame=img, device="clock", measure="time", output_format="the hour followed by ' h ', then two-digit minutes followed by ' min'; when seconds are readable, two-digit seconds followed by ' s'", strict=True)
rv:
5 h 21 min
